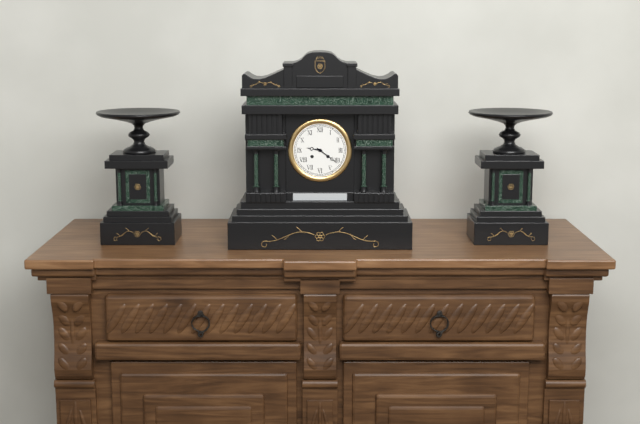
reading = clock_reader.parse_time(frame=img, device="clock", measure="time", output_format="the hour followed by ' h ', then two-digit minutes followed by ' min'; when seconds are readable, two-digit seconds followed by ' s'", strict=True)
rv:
9 h 21 min
